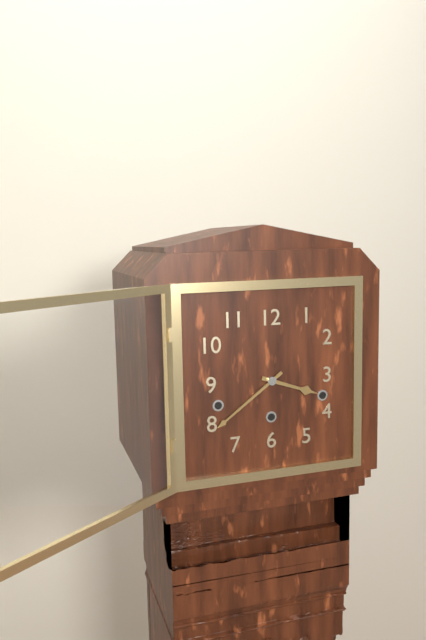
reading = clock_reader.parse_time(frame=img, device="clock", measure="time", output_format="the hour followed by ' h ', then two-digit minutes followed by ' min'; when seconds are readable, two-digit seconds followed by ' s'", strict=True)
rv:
3 h 39 min
